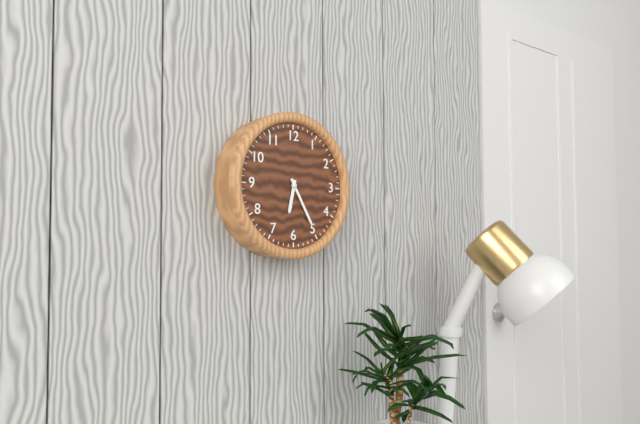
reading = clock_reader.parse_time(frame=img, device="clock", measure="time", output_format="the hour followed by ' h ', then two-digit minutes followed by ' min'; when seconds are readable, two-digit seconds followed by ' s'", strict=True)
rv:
6 h 25 min
